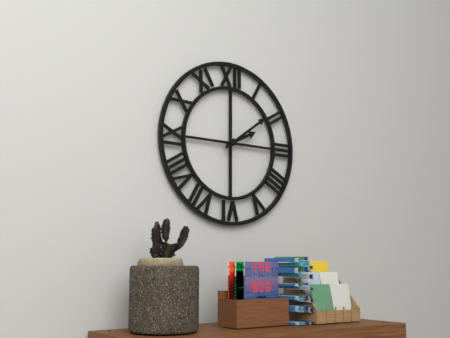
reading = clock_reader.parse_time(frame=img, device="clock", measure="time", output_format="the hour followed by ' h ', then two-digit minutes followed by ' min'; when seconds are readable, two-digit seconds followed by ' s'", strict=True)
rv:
2 h 09 min
